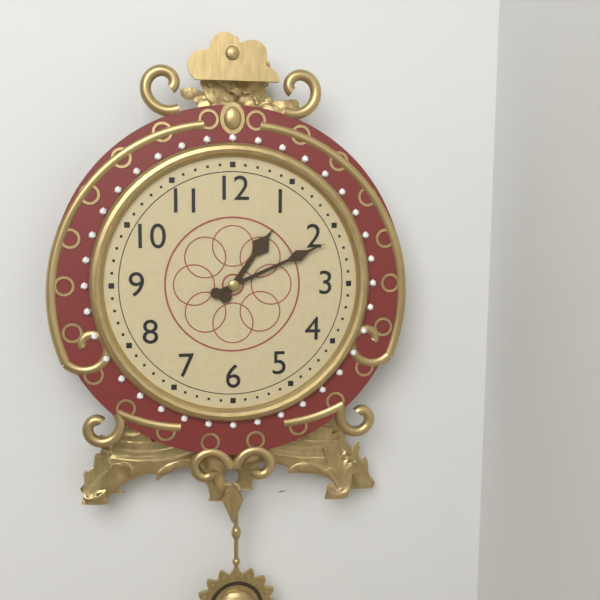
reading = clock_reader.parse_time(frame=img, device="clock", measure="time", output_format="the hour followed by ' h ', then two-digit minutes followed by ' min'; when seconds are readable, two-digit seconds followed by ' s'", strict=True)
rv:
1 h 11 min
